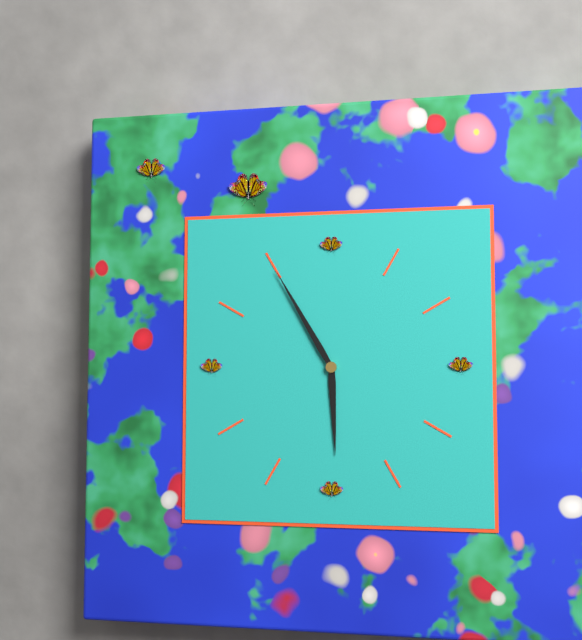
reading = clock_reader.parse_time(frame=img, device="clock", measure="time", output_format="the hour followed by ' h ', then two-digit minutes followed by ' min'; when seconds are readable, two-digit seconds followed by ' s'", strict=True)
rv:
5 h 55 min
